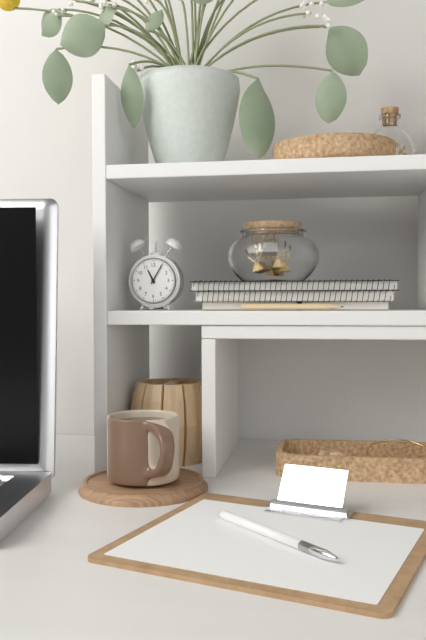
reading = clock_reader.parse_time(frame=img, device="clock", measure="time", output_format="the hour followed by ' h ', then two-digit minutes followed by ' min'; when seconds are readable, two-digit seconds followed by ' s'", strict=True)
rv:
11 h 05 min
